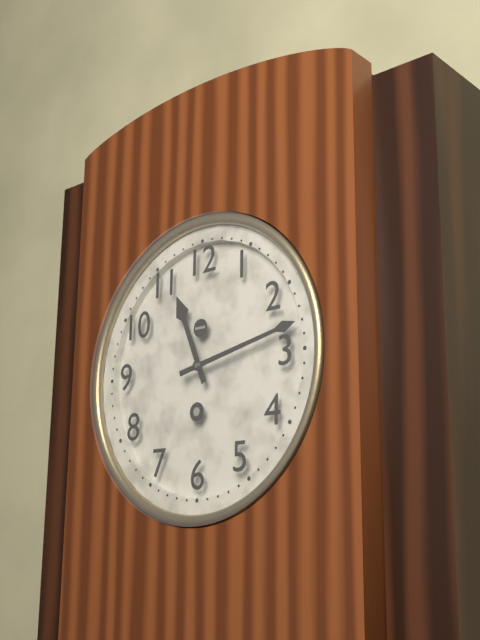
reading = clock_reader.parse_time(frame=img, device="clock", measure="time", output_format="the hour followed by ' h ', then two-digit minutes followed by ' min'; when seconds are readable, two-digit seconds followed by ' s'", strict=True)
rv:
11 h 13 min
